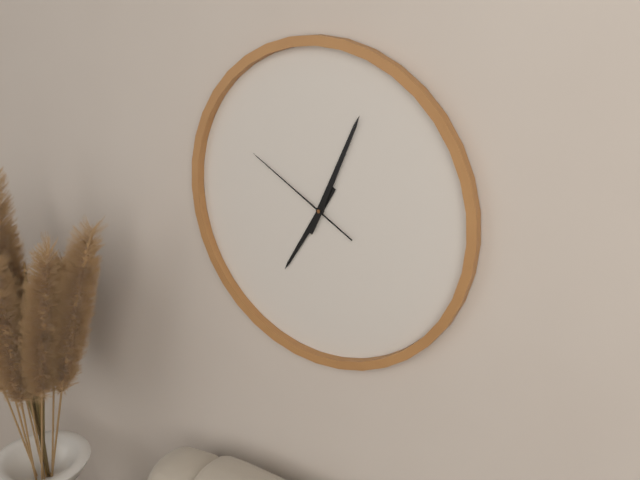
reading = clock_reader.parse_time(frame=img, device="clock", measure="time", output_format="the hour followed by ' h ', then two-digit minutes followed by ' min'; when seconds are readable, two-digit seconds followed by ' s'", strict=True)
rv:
7 h 04 min 50 s
